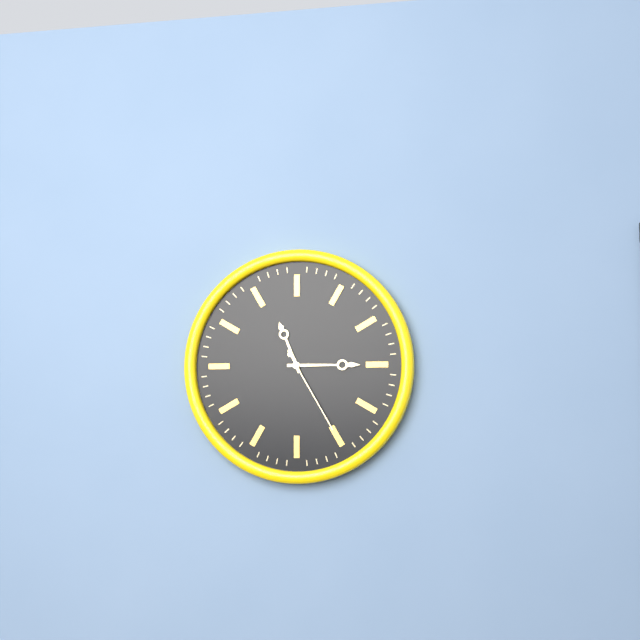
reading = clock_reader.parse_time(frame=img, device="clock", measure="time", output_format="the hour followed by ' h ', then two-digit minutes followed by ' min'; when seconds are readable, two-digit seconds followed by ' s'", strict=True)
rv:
11 h 15 min 25 s
